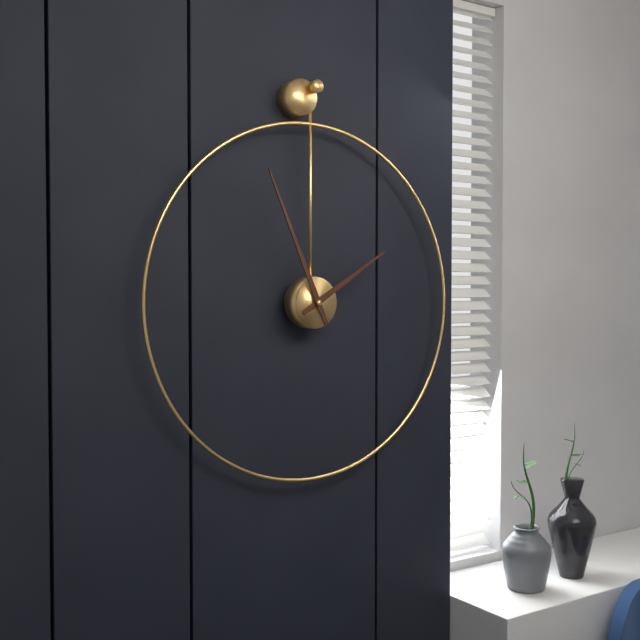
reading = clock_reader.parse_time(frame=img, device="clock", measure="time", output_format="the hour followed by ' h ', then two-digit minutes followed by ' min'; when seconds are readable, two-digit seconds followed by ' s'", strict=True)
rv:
1 h 56 min
